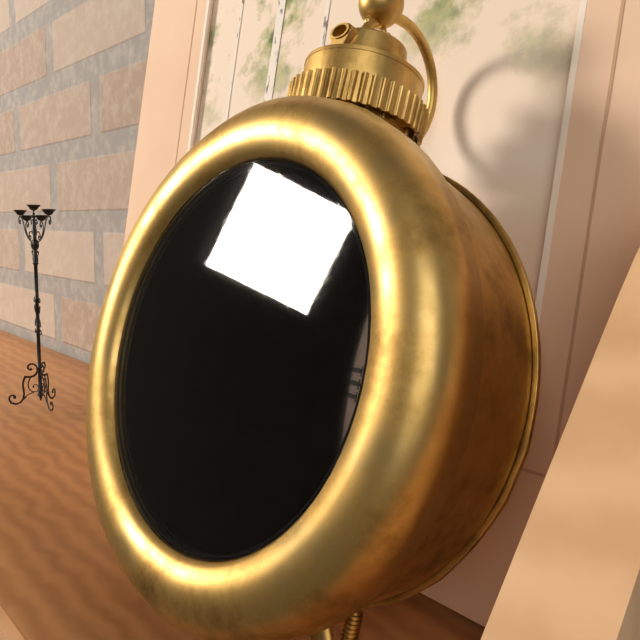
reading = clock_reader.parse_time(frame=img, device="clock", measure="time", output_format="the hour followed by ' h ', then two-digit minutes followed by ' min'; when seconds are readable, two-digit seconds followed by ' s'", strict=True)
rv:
3 h 32 min 15 s
